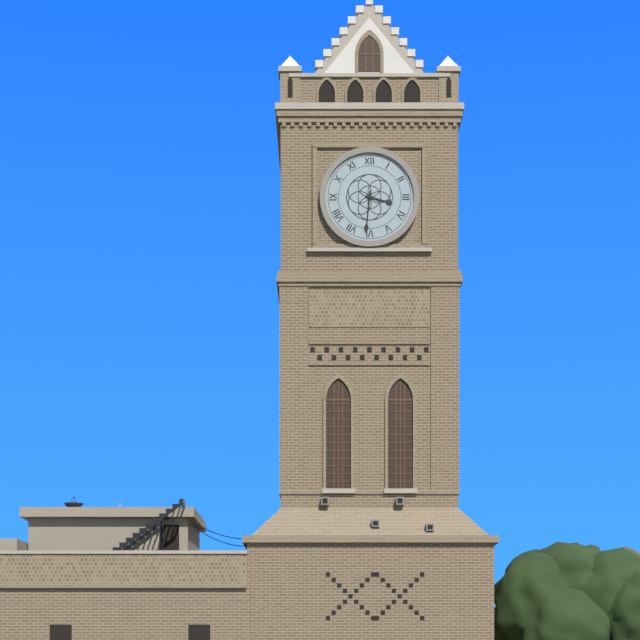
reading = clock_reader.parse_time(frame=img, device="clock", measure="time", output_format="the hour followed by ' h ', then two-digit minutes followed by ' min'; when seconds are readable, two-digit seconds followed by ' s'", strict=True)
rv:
3 h 31 min
